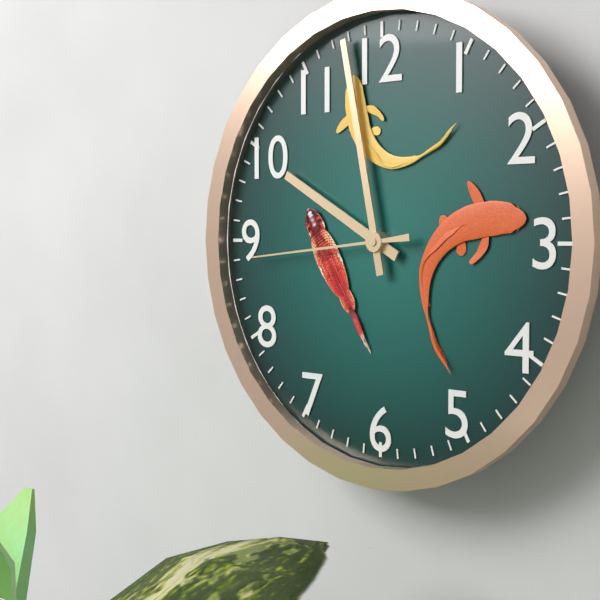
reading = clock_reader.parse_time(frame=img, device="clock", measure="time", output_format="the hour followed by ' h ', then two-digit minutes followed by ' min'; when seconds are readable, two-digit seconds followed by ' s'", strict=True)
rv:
9 h 58 min 44 s
